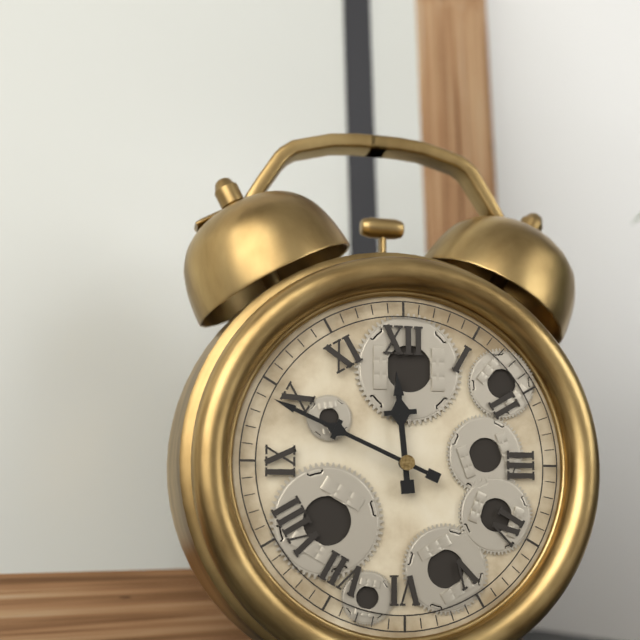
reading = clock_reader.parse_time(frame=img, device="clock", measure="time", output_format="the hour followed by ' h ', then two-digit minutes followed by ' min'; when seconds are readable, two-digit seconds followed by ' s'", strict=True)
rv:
11 h 49 min
